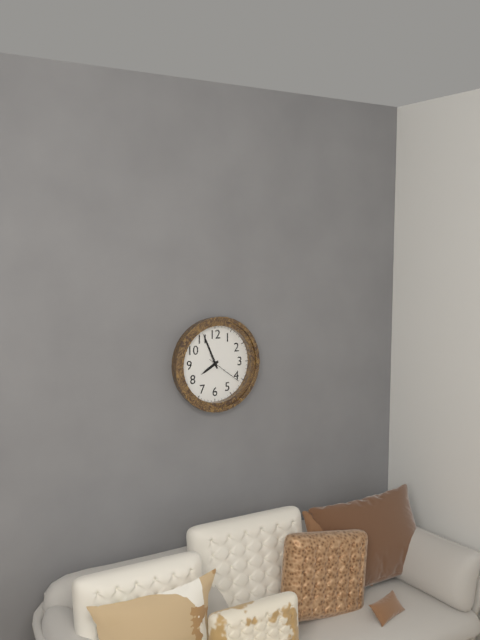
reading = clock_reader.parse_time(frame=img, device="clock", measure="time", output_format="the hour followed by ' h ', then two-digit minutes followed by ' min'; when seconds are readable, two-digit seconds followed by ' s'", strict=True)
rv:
7 h 56 min
